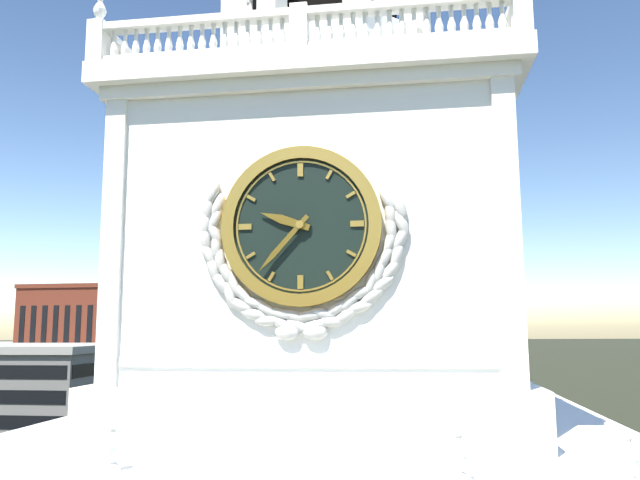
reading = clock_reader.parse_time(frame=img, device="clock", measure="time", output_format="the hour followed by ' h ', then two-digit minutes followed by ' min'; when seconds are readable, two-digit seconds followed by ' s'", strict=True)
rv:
9 h 37 min
